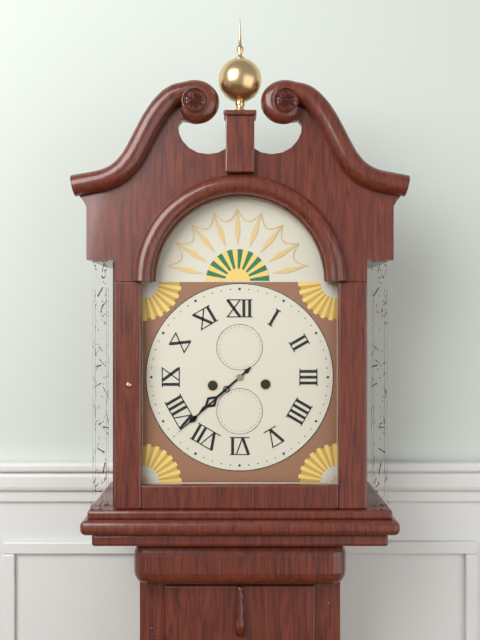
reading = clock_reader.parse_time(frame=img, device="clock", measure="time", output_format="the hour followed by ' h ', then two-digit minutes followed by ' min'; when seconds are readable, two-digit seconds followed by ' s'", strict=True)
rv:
7 h 38 min
